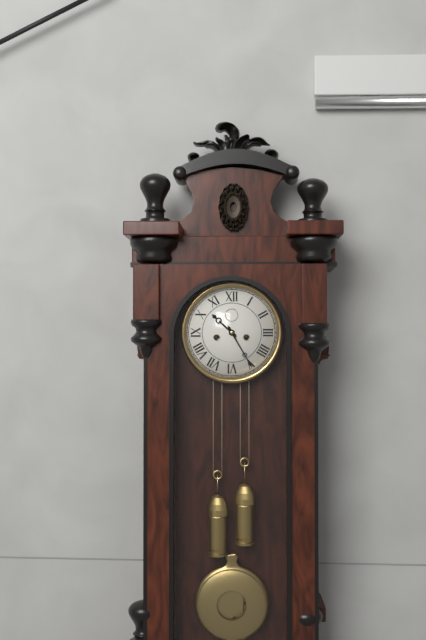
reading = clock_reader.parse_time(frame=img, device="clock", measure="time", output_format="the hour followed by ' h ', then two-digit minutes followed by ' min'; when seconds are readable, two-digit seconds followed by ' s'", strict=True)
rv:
10 h 25 min
